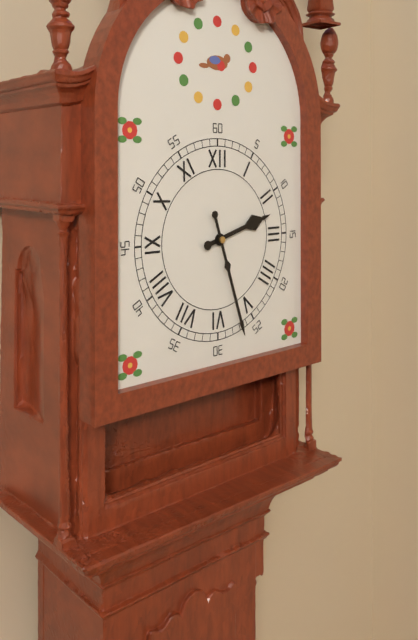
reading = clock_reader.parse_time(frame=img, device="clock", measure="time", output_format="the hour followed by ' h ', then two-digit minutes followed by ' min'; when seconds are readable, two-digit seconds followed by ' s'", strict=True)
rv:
2 h 27 min
